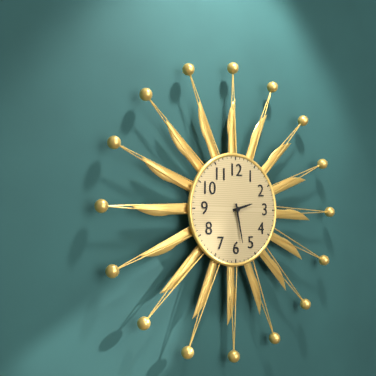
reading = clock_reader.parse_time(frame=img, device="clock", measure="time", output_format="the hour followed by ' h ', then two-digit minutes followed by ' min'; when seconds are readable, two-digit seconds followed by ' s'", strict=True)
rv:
2 h 28 min
